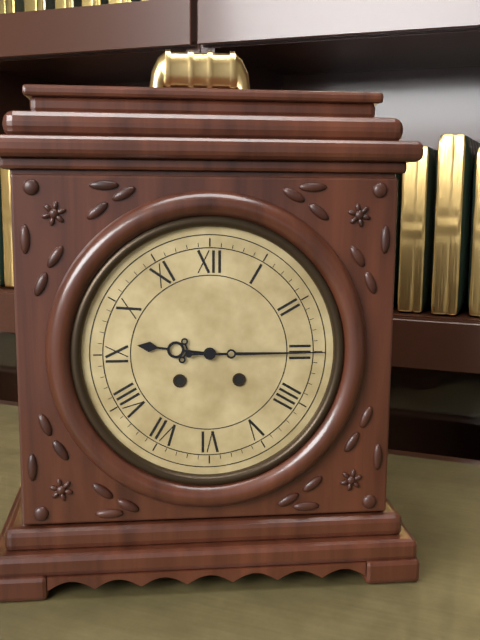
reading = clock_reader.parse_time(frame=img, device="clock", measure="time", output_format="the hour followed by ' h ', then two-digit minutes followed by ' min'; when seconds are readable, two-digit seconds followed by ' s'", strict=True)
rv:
9 h 15 min
